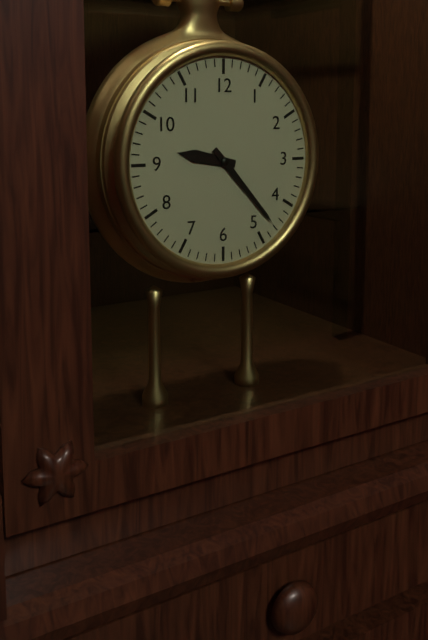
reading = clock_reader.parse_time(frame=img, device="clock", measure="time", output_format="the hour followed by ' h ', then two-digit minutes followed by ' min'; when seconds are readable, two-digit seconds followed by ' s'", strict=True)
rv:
9 h 23 min
